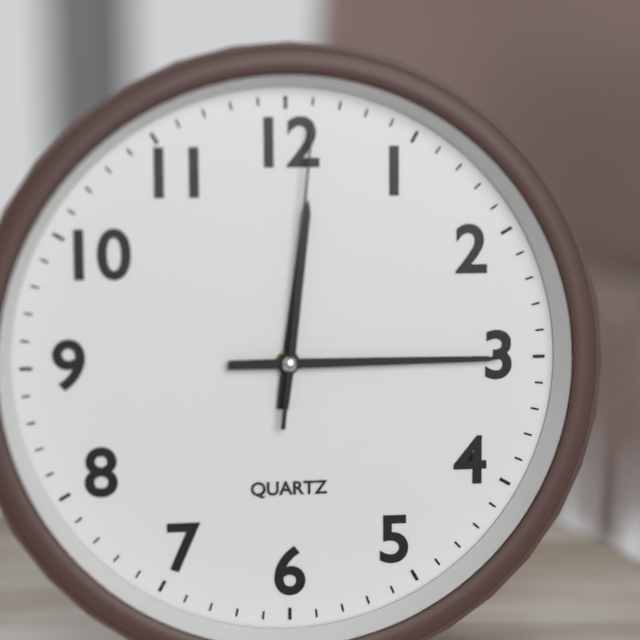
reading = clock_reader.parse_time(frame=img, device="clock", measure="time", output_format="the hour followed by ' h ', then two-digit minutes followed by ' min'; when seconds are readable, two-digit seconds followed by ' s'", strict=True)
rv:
12 h 15 min 01 s
